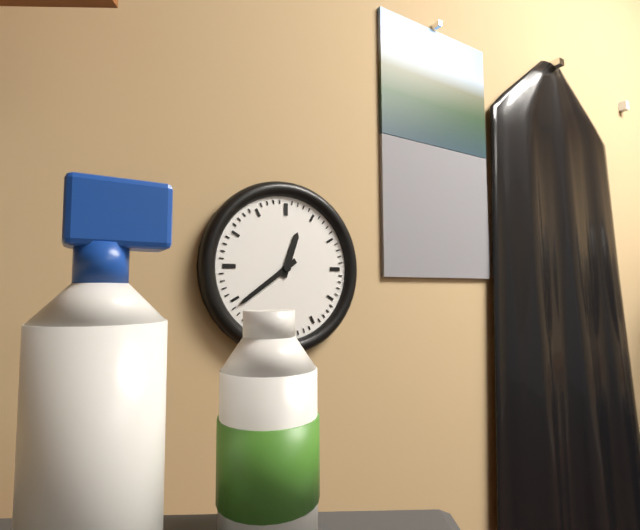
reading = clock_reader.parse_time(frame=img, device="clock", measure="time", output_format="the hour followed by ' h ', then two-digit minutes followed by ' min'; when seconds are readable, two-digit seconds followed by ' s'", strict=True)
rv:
12 h 39 min
